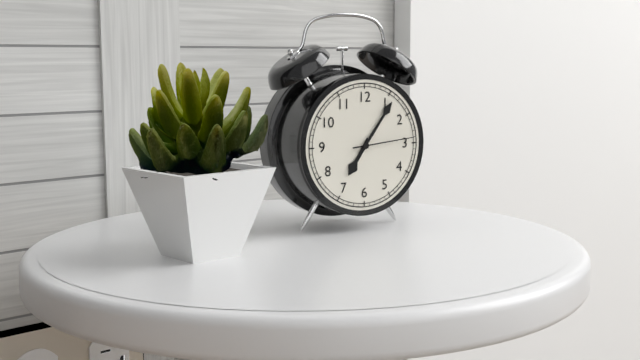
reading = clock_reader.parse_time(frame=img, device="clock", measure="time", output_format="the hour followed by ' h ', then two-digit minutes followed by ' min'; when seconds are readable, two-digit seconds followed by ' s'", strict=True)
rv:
7 h 06 min 14 s
